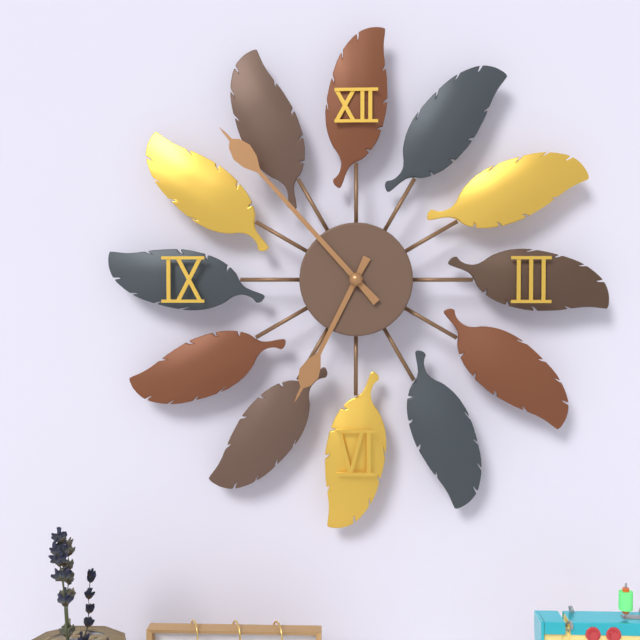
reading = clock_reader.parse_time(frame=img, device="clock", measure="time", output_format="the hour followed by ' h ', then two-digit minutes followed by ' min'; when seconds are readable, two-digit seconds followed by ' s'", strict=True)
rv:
6 h 53 min
